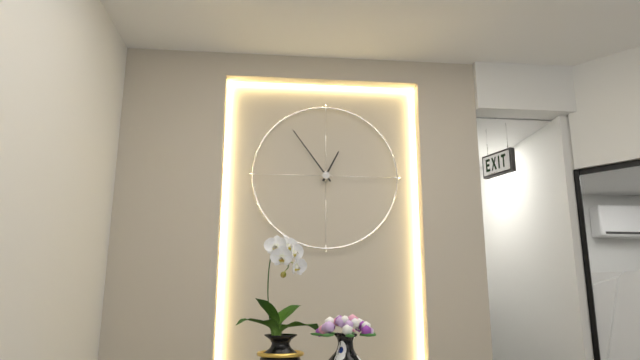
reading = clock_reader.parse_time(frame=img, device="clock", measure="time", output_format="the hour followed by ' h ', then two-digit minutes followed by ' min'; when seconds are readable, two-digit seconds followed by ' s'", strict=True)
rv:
12 h 54 min
